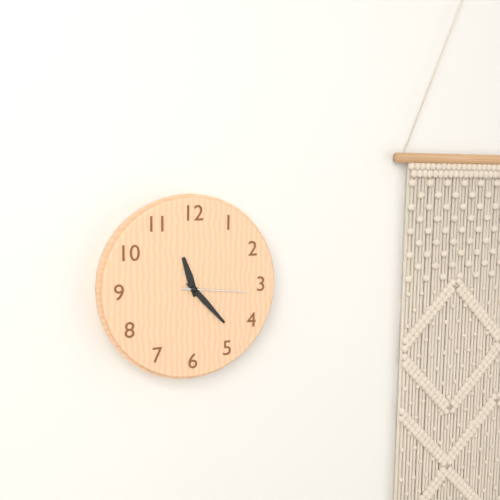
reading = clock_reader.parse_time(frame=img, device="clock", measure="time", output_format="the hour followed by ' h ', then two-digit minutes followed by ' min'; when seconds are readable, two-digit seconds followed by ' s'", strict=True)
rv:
11 h 23 min 16 s
